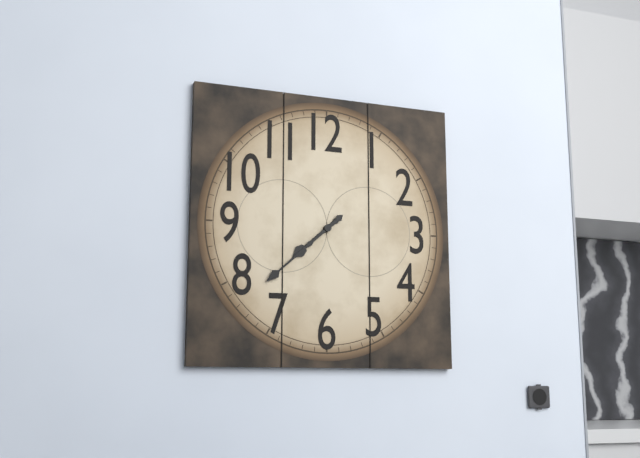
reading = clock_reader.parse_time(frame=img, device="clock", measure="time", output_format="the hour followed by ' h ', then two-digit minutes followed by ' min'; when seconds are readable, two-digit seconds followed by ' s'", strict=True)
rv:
7 h 38 min
